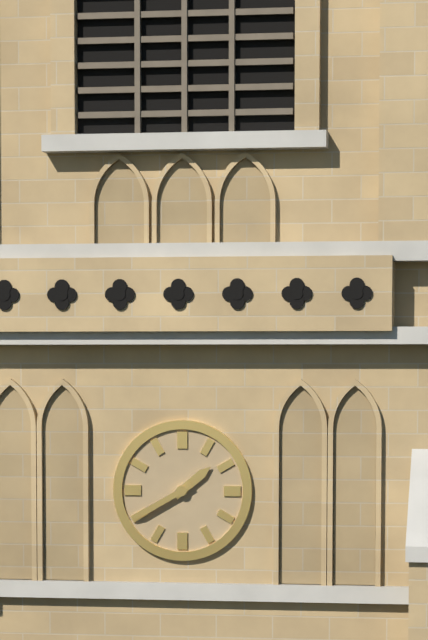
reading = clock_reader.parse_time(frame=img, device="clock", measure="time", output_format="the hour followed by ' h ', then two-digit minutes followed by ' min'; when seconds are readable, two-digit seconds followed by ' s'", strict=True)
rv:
1 h 40 min
